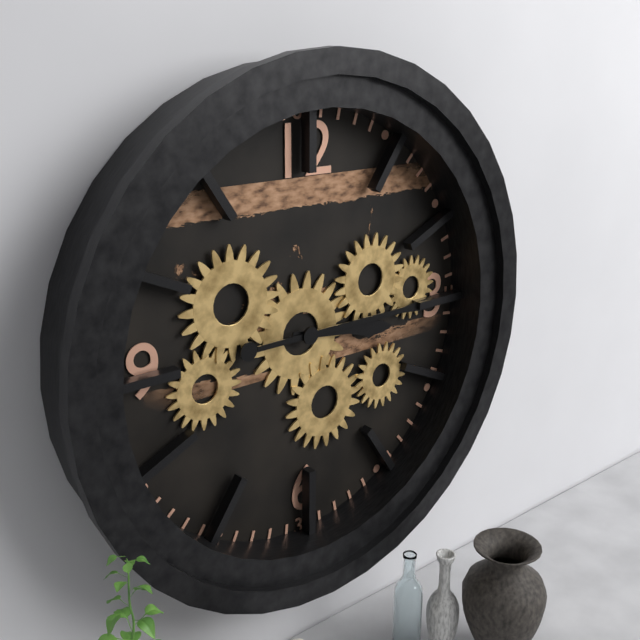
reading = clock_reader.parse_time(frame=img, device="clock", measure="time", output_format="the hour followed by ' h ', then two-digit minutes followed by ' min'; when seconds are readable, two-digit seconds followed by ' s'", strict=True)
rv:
3 h 15 min
